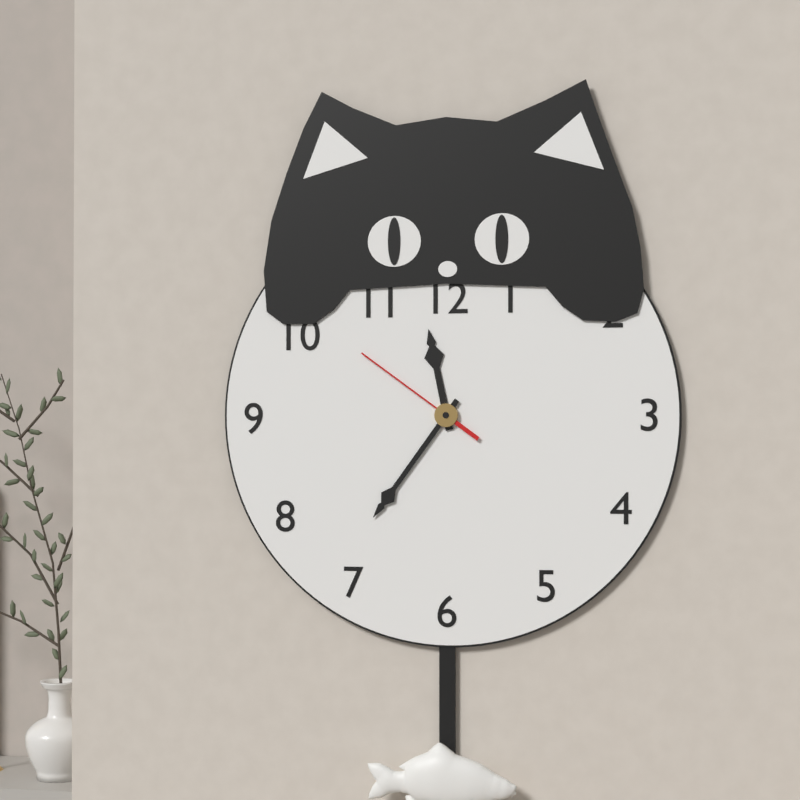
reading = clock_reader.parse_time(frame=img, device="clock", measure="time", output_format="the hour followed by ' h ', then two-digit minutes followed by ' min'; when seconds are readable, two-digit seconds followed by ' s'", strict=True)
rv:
11 h 36 min 51 s
